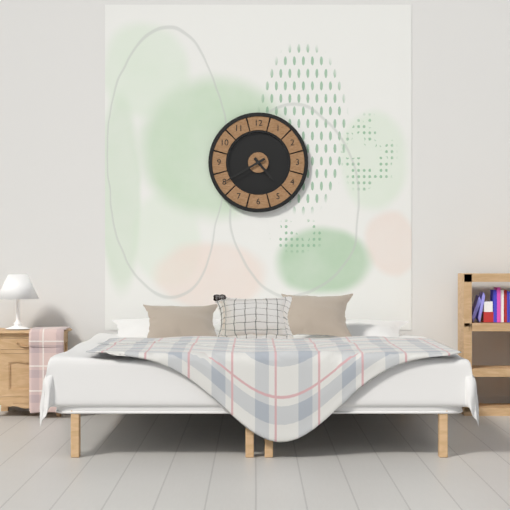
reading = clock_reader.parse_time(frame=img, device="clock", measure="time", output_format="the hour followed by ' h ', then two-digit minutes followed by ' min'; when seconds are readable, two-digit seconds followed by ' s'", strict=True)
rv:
4 h 40 min
